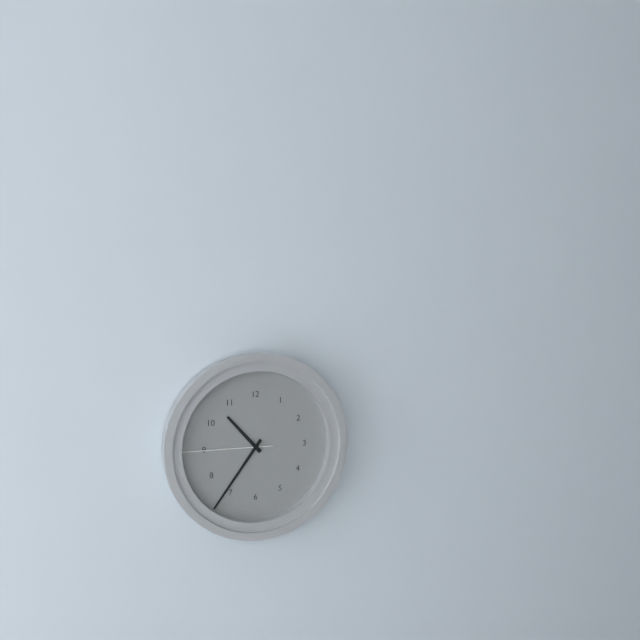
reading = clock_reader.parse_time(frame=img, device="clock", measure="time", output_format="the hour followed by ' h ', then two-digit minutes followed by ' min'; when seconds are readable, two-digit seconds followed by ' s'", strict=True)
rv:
10 h 36 min 45 s
